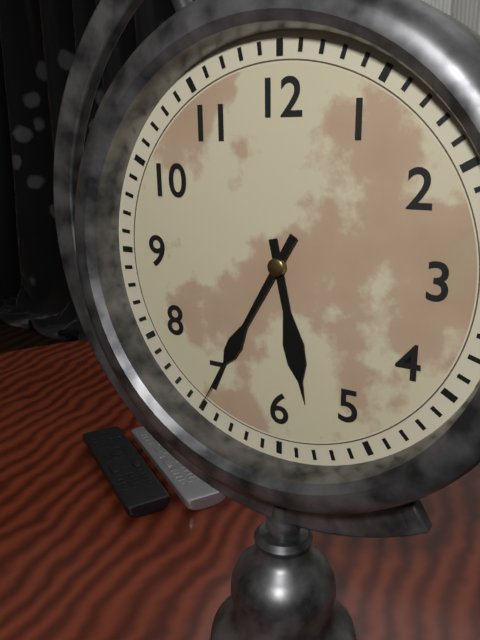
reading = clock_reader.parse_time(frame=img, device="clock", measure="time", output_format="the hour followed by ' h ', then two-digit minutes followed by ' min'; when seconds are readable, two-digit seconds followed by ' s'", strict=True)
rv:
5 h 35 min
